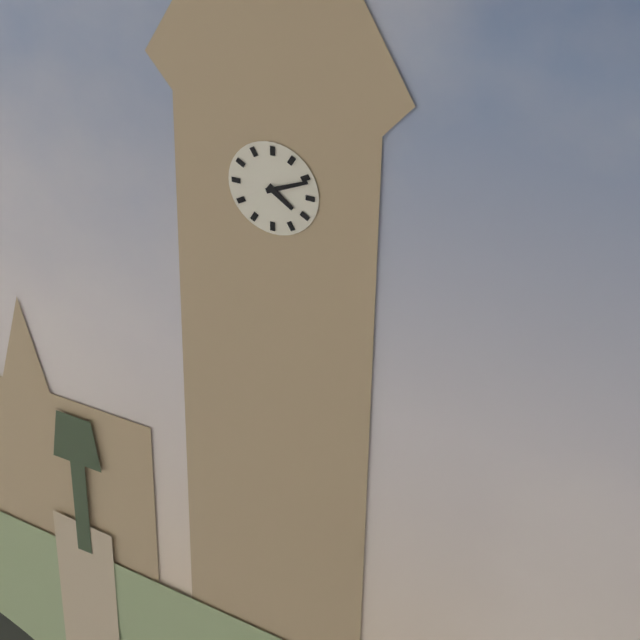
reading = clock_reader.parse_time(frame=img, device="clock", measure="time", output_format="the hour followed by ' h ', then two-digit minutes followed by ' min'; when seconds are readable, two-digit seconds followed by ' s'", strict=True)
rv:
4 h 11 min
